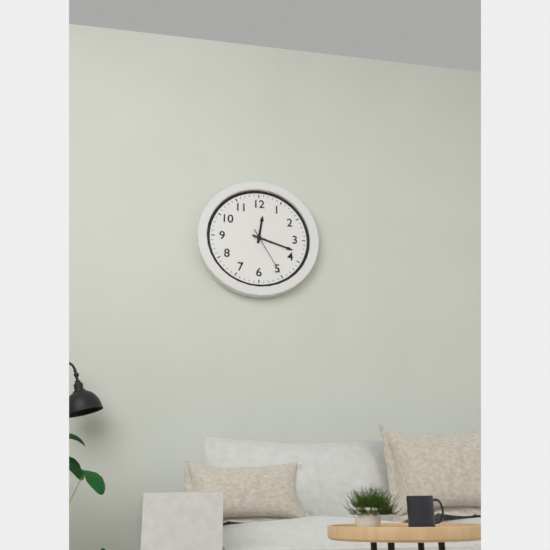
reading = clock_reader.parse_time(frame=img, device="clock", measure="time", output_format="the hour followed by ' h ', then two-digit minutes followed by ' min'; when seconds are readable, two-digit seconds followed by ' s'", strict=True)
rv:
12 h 18 min 25 s
